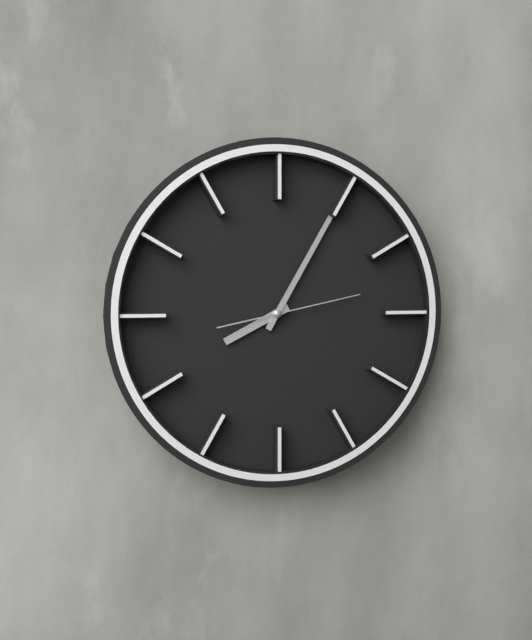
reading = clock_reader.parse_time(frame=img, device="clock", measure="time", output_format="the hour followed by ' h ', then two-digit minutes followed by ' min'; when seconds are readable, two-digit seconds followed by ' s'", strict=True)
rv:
8 h 05 min 13 s
